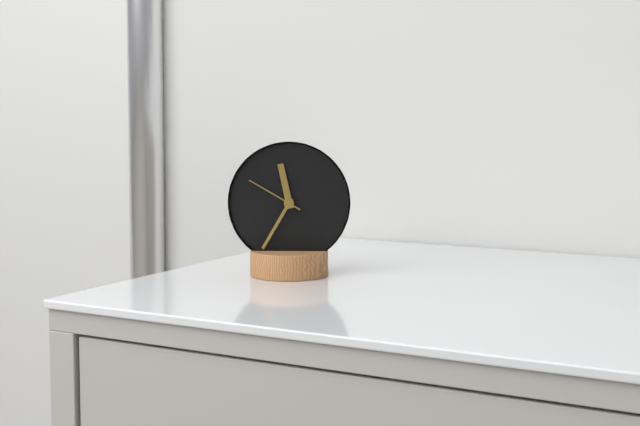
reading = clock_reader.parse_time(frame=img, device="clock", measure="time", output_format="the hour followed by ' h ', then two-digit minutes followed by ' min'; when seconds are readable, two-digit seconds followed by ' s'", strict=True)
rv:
11 h 35 min 50 s
